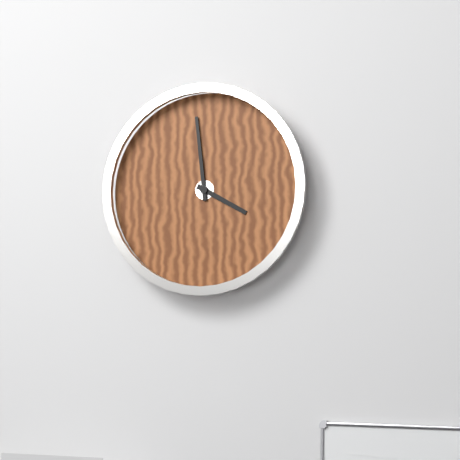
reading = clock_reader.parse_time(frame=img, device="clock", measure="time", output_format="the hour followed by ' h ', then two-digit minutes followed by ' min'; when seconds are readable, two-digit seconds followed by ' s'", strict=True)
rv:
3 h 59 min
